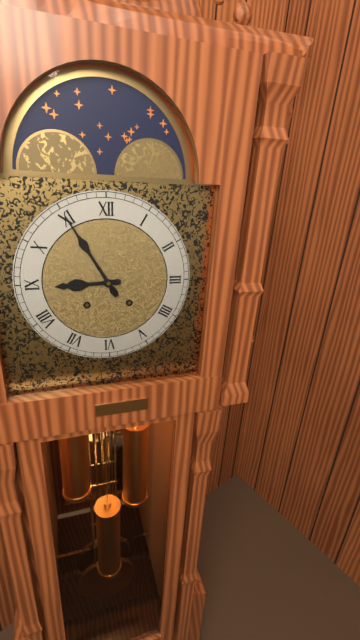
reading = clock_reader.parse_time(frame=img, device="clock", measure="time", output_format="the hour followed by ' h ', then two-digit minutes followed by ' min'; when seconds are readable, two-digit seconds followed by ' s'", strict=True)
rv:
8 h 55 min
